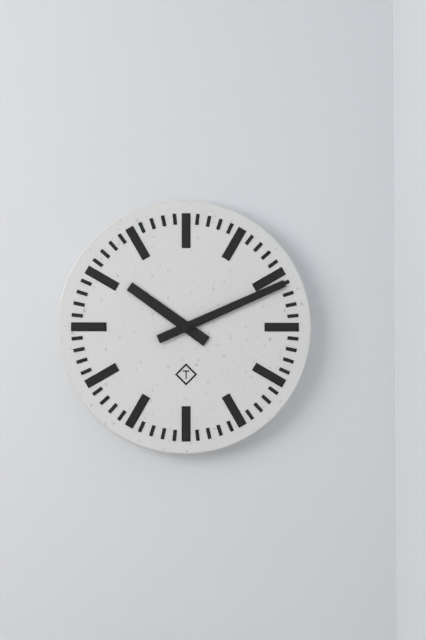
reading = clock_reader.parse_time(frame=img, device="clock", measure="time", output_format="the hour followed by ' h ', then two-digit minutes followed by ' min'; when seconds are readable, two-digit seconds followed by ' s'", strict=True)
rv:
10 h 11 min
